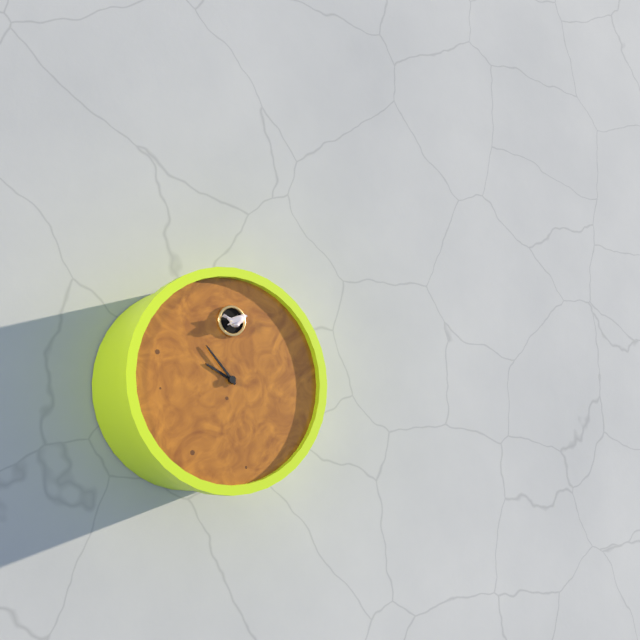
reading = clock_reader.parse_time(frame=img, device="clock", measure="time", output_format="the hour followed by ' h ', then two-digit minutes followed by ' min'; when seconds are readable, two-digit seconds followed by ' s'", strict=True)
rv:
9 h 53 min
